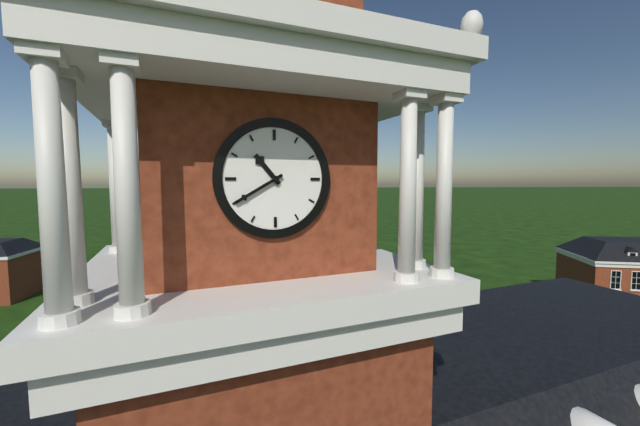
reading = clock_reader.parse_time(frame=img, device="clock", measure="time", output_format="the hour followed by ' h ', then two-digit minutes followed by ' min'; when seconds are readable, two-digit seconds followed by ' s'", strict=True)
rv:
10 h 40 min
